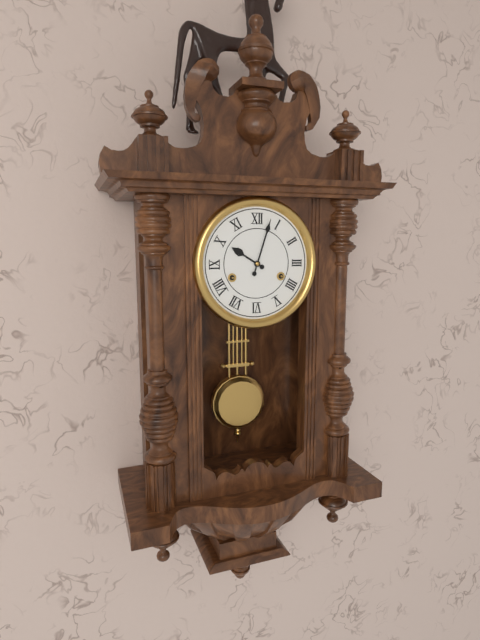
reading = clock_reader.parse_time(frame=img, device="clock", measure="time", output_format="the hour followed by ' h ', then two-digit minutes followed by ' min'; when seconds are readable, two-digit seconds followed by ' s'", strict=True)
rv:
10 h 03 min
